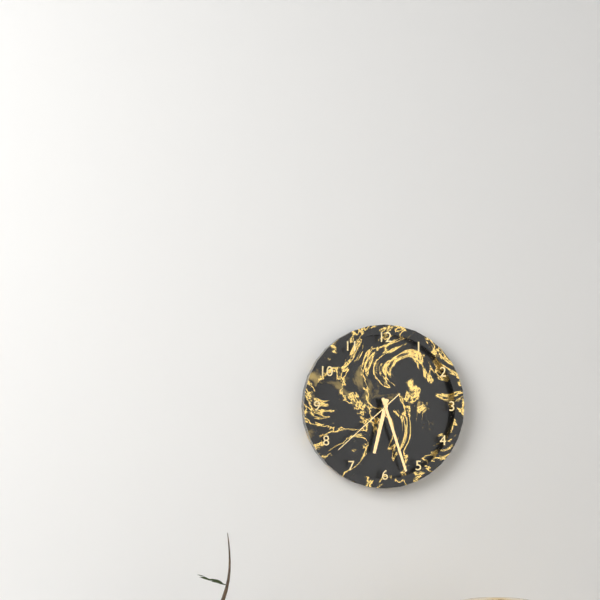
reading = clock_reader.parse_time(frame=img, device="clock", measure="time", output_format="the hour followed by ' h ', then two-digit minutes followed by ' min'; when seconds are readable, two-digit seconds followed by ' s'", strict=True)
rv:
6 h 27 min 38 s
